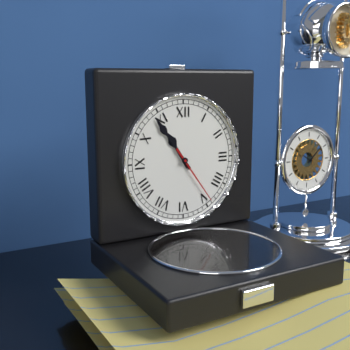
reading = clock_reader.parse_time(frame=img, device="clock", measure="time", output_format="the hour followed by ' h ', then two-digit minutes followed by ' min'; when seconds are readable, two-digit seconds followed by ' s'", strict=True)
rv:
10 h 54 min 24 s
